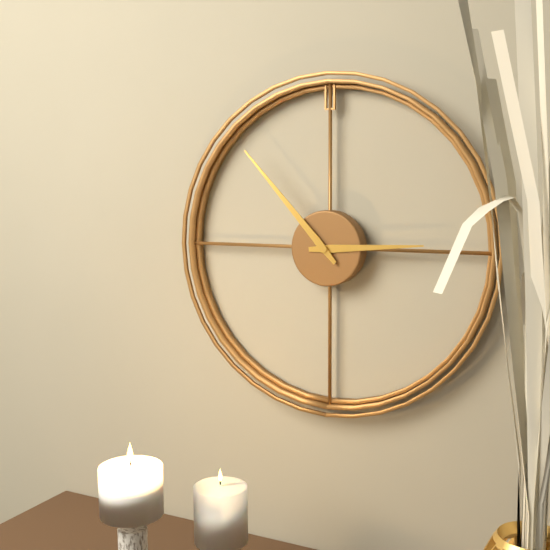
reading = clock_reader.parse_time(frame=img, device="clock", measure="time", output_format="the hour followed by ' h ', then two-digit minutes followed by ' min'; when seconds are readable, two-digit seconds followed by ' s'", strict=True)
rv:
2 h 53 min
